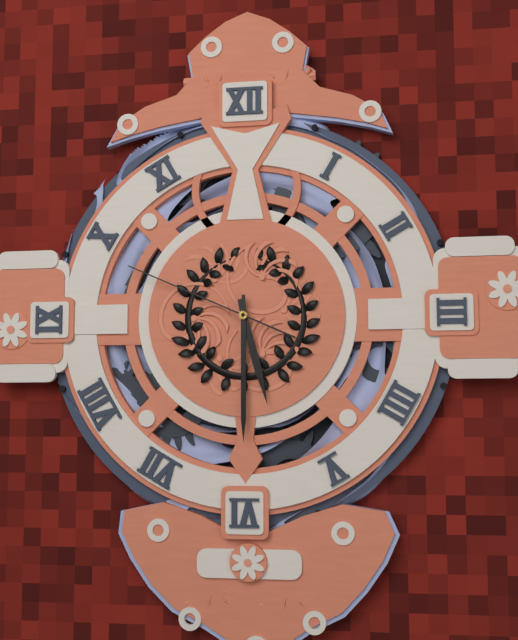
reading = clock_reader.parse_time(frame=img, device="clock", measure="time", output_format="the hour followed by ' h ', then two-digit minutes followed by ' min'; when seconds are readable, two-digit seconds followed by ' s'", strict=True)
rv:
5 h 30 min 49 s
